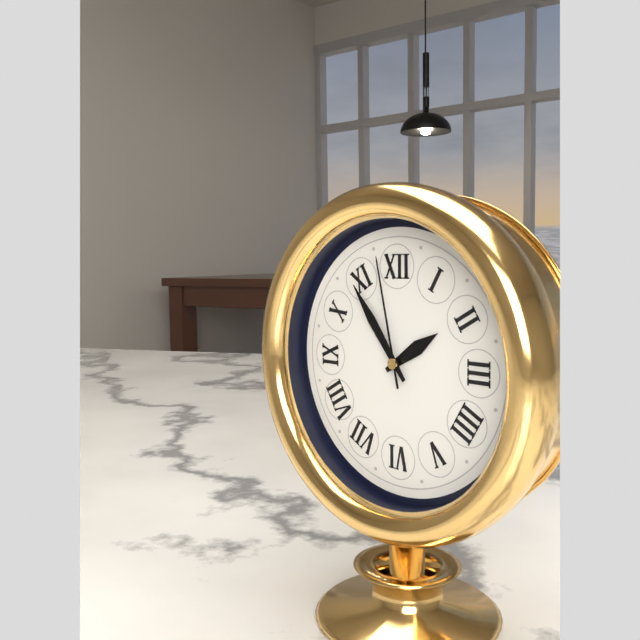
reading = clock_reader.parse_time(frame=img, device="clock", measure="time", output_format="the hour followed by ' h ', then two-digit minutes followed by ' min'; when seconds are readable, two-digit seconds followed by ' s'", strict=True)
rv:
1 h 54 min 58 s
